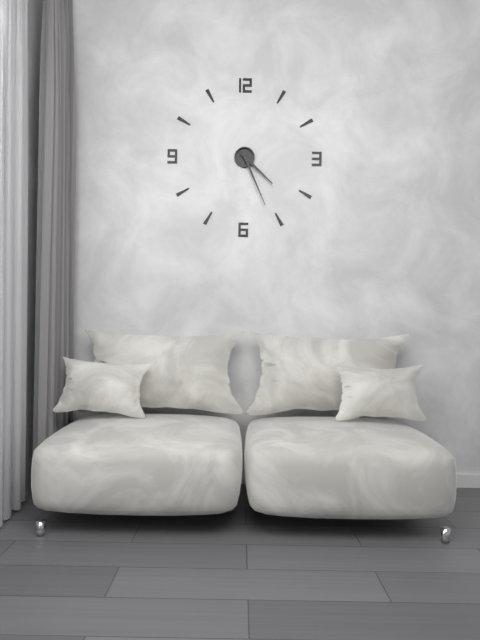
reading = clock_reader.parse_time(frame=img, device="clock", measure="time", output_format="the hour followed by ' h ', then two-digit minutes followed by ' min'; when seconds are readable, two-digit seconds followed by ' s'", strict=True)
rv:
4 h 26 min
